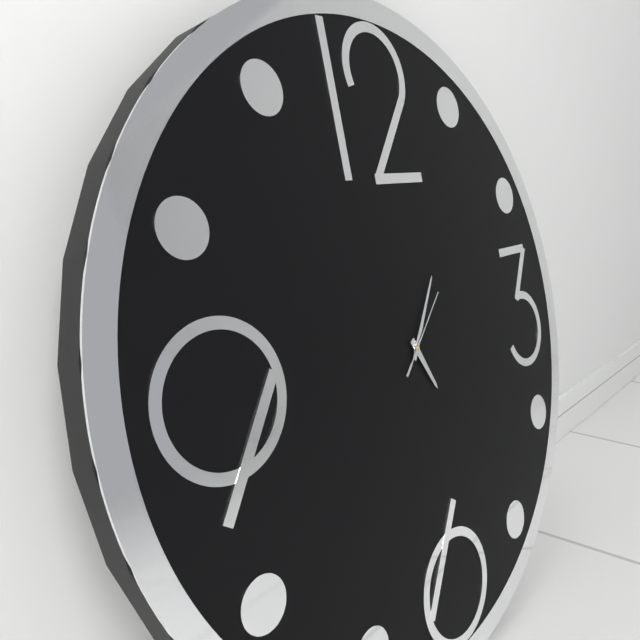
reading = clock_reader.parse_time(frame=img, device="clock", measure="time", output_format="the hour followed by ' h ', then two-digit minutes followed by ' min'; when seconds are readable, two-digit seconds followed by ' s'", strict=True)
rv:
5 h 06 min 08 s
